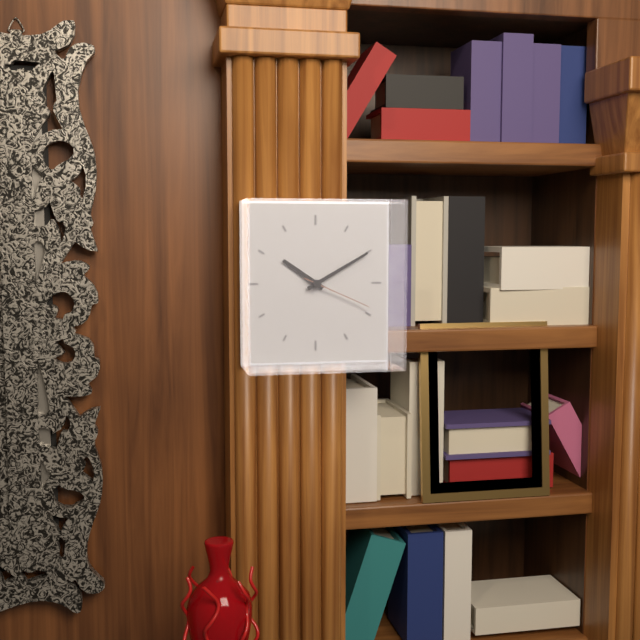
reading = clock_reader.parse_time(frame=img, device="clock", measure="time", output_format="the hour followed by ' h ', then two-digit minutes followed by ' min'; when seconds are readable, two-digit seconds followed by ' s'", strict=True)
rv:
10 h 10 min 19 s
